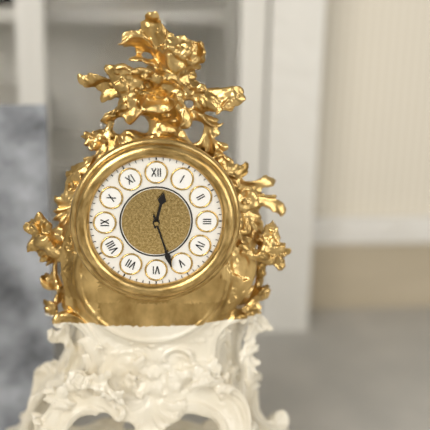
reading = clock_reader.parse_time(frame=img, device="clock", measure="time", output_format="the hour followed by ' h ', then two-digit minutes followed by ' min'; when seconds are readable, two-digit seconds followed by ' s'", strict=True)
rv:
12 h 27 min
